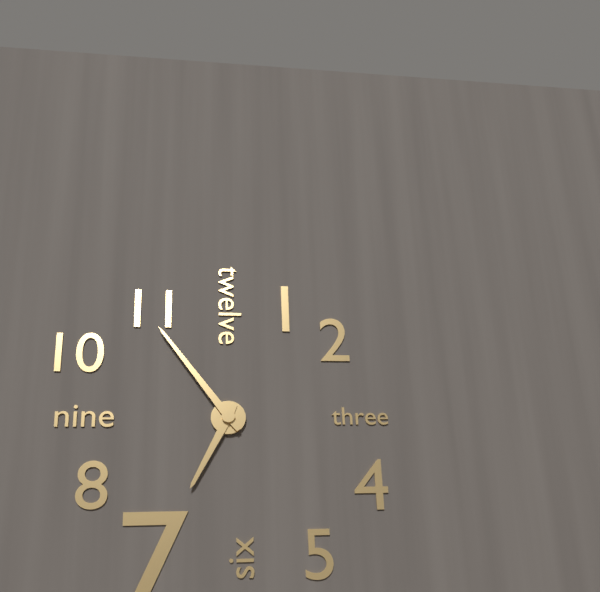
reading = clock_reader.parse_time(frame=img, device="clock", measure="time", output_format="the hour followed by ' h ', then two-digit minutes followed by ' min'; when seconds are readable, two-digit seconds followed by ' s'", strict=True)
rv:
6 h 54 min
